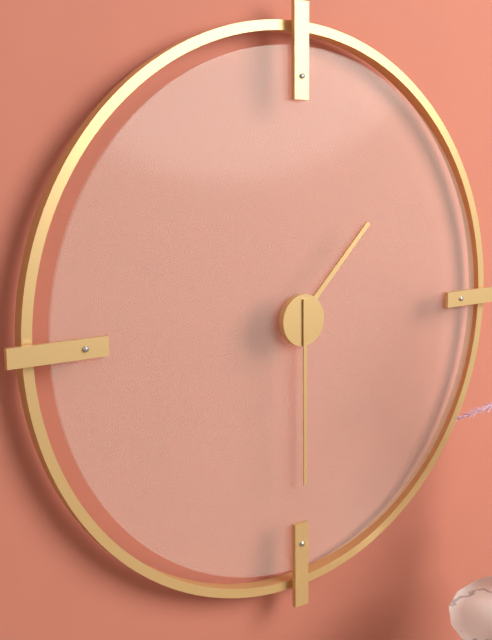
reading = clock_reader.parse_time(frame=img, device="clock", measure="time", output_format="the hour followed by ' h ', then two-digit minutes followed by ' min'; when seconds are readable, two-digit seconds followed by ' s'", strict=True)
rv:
1 h 30 min
